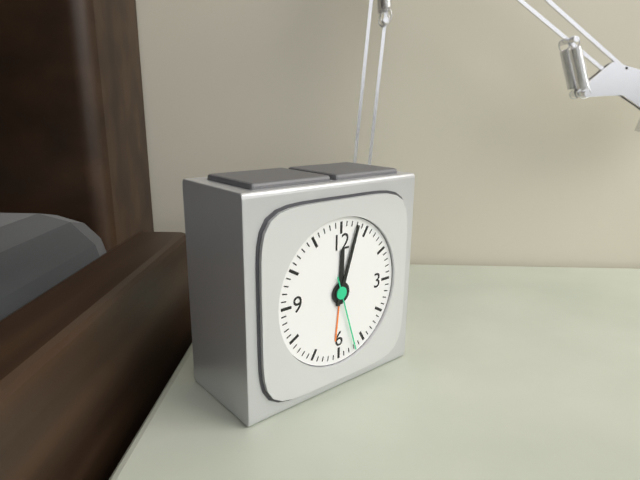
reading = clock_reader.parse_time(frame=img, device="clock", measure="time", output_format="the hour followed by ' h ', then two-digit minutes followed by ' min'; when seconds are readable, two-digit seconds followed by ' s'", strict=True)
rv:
12 h 03 min 27 s
